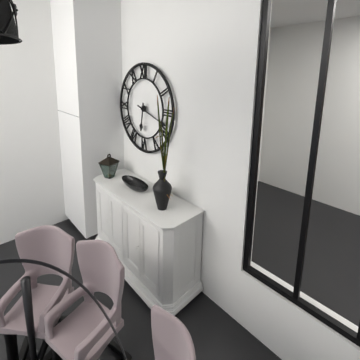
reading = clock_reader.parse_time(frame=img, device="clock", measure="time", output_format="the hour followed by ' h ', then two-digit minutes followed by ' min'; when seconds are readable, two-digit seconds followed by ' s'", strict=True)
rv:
6 h 18 min
